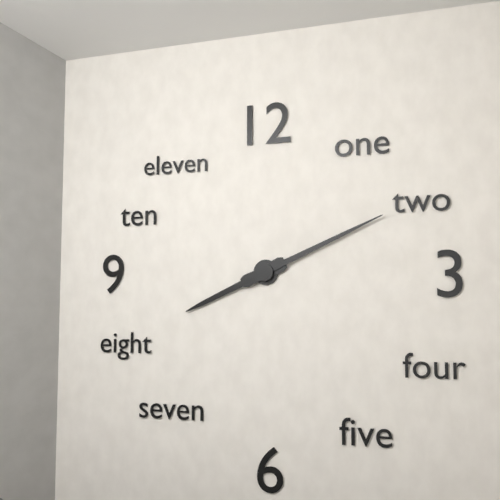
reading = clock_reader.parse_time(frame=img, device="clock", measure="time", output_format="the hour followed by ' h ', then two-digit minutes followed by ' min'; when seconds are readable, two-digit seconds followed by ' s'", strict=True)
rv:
8 h 11 min
